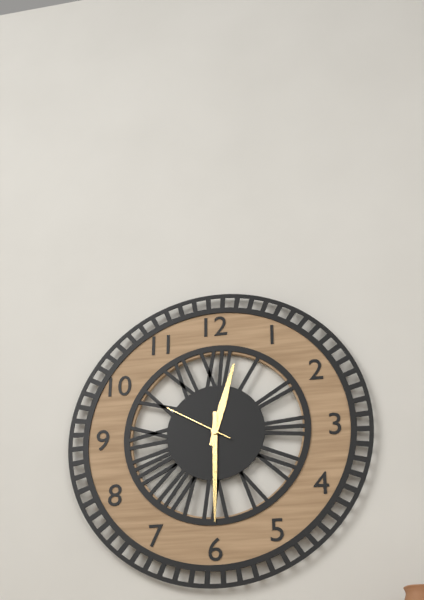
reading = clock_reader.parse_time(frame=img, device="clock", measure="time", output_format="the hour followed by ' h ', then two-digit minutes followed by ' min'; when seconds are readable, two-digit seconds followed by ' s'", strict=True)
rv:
12 h 30 min 50 s
